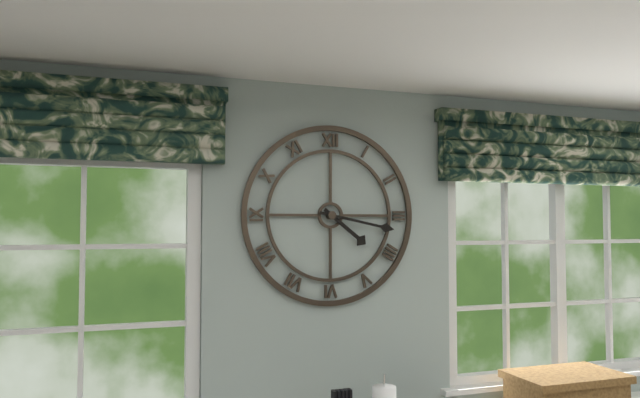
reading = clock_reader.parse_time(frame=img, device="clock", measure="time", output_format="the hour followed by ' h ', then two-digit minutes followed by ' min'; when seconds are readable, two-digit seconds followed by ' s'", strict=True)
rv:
4 h 17 min
